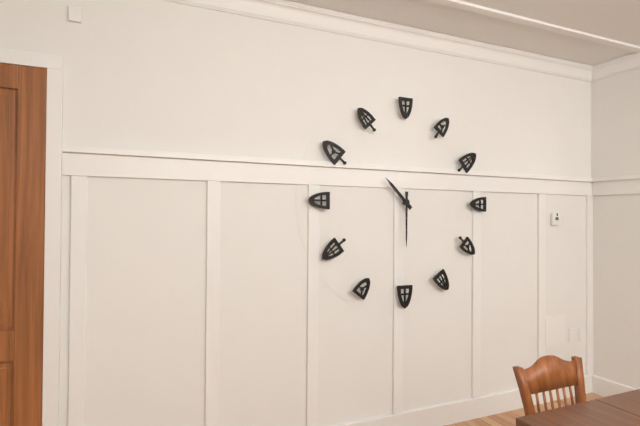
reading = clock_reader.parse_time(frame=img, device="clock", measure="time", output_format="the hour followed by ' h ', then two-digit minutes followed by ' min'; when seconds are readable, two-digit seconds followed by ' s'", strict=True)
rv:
10 h 30 min
